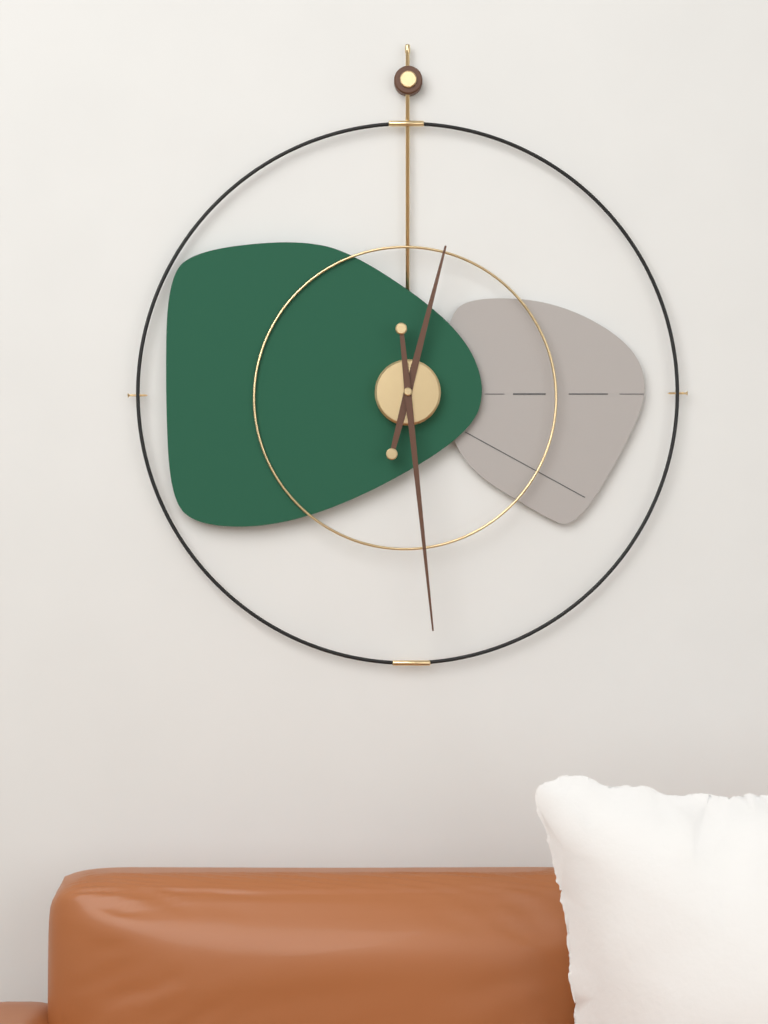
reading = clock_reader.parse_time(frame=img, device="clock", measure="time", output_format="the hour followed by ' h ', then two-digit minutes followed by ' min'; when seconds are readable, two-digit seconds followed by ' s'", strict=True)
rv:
12 h 29 min
